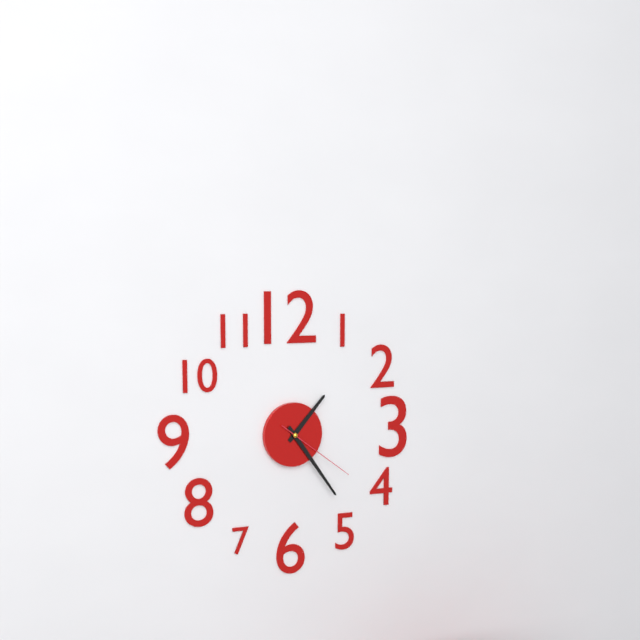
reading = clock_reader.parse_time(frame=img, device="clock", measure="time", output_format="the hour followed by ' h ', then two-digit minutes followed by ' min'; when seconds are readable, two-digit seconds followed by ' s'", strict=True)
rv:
1 h 24 min 21 s
